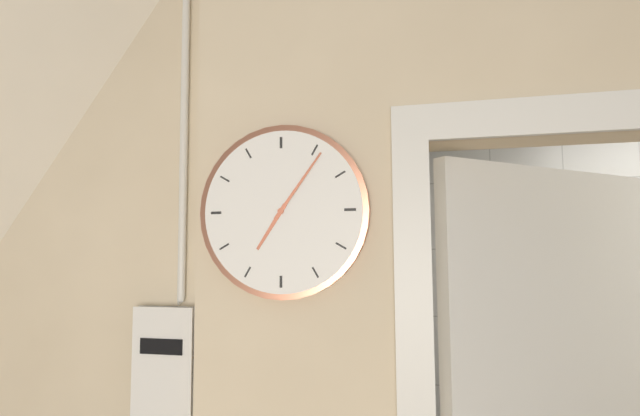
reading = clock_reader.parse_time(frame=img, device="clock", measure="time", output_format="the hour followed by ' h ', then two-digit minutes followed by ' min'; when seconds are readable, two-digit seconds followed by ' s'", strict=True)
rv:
7 h 06 min
